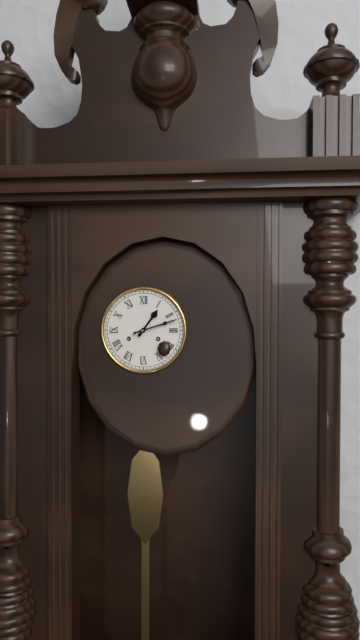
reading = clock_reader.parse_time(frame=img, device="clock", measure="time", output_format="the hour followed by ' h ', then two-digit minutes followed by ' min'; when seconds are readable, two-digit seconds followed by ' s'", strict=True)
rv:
1 h 12 min
